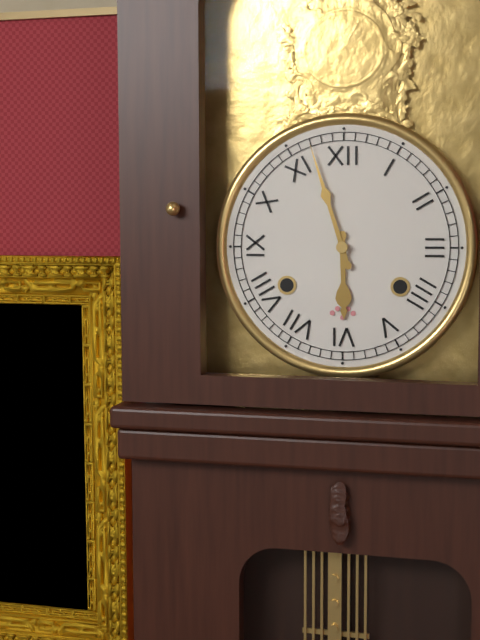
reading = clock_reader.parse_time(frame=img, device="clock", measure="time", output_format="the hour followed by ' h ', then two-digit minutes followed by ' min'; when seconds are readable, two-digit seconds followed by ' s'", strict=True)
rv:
5 h 57 min
